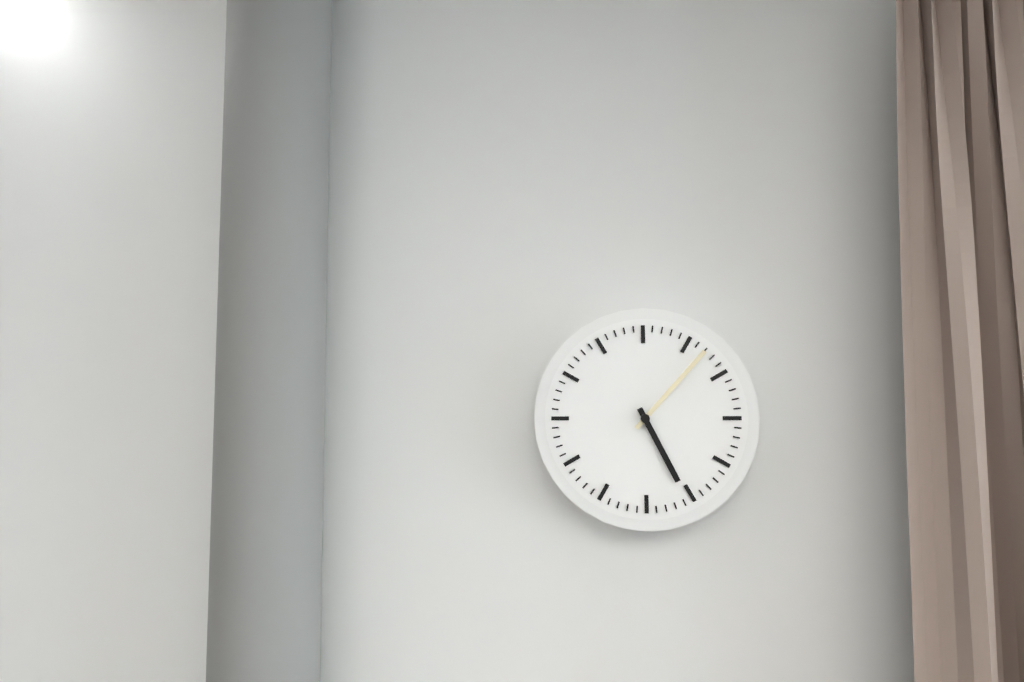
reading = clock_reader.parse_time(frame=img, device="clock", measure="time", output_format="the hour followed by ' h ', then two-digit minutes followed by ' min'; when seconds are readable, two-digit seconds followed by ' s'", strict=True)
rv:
5 h 07 min
